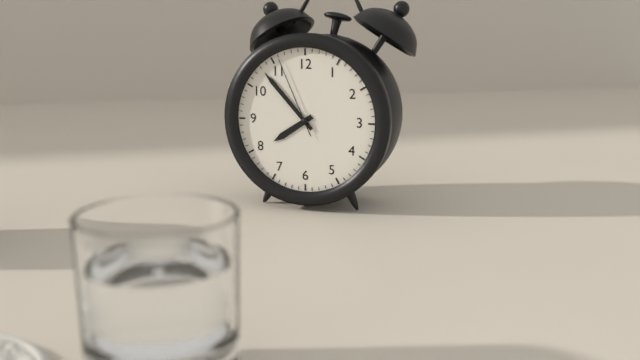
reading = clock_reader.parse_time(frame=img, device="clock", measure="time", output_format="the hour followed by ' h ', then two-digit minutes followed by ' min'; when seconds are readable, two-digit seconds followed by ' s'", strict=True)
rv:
7 h 53 min 56 s
